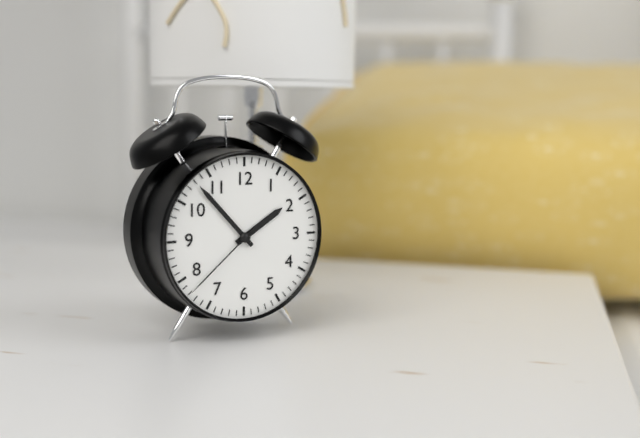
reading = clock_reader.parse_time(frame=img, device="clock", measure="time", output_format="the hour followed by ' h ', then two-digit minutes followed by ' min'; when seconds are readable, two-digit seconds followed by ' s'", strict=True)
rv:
1 h 53 min 38 s
